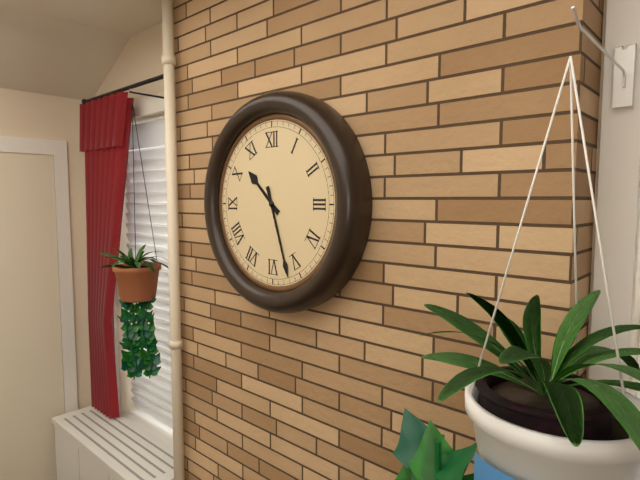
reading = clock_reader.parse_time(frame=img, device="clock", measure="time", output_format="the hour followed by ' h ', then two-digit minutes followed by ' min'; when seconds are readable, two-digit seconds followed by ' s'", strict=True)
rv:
10 h 27 min
